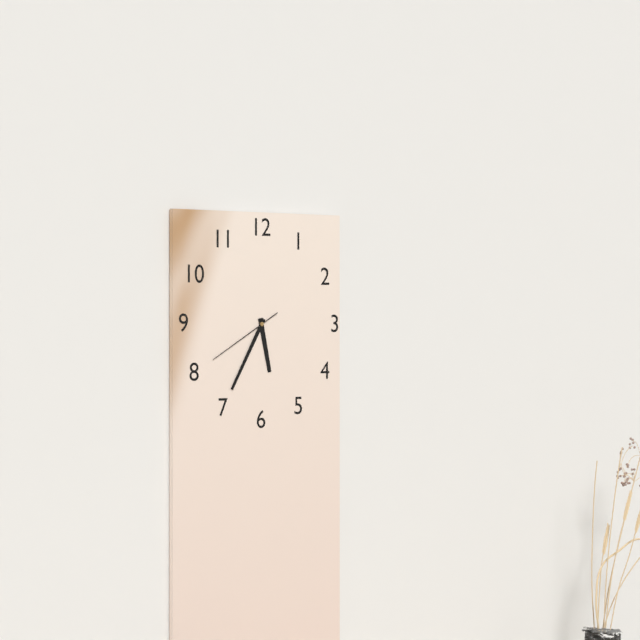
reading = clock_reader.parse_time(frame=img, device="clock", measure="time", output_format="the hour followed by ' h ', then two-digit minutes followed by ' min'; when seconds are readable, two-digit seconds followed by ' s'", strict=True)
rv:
5 h 35 min 40 s
